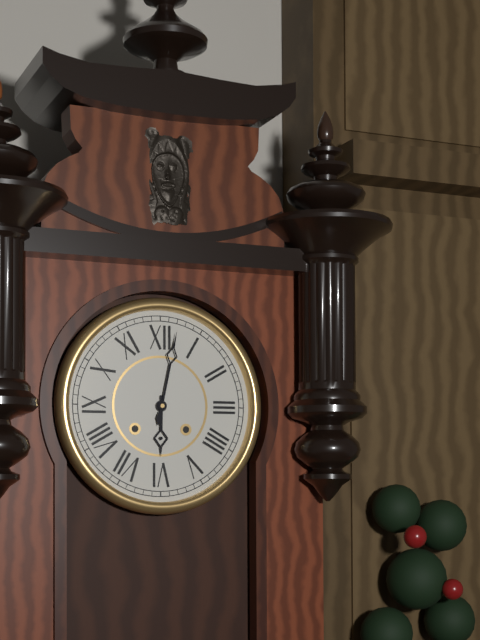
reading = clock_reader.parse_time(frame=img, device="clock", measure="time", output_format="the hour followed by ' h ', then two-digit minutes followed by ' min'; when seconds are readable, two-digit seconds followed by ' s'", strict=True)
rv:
6 h 02 min
